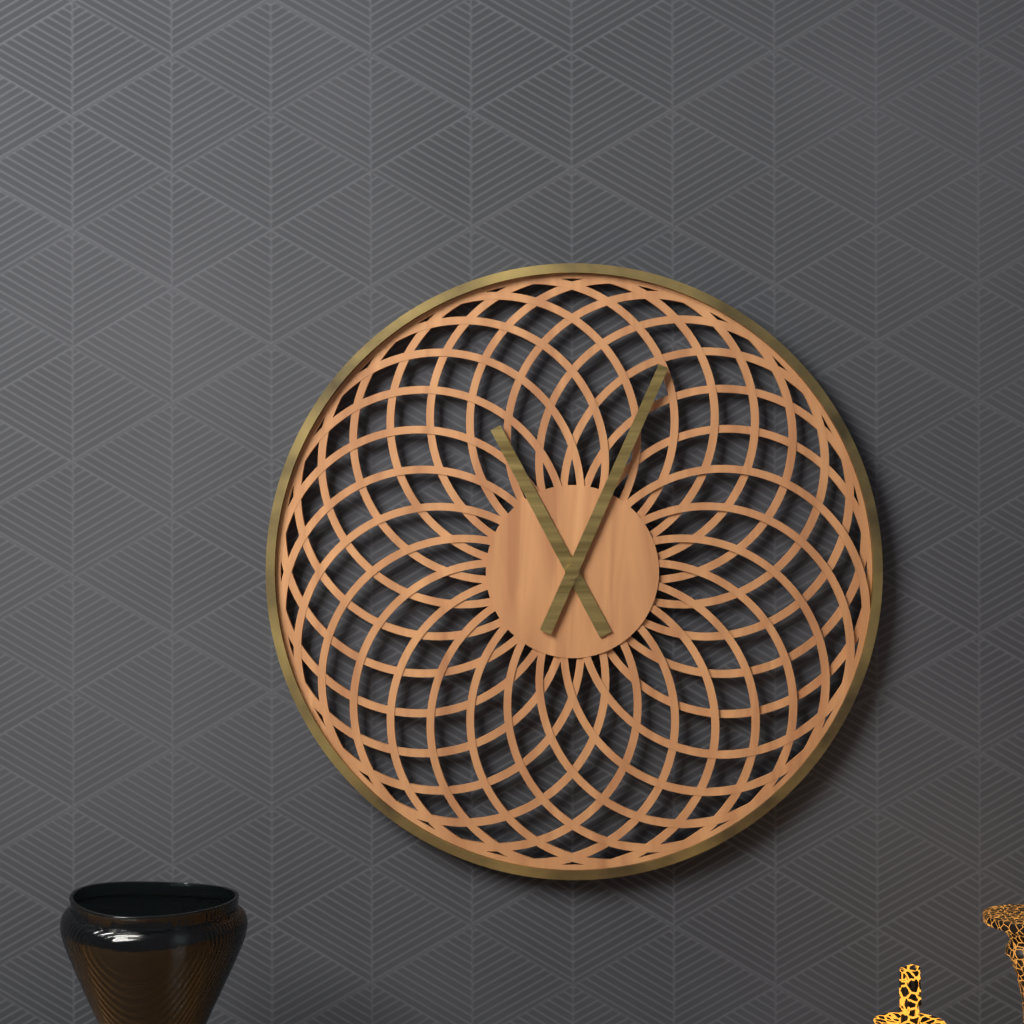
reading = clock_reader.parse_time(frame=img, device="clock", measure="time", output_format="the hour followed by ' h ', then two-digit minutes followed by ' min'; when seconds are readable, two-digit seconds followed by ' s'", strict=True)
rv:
11 h 04 min
